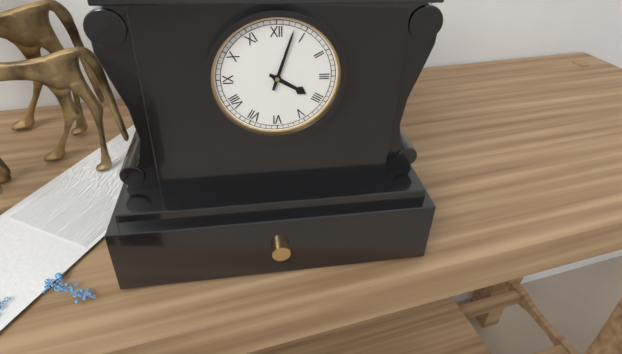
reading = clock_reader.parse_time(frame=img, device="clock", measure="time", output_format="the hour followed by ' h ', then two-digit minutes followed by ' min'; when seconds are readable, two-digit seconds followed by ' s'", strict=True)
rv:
4 h 03 min
